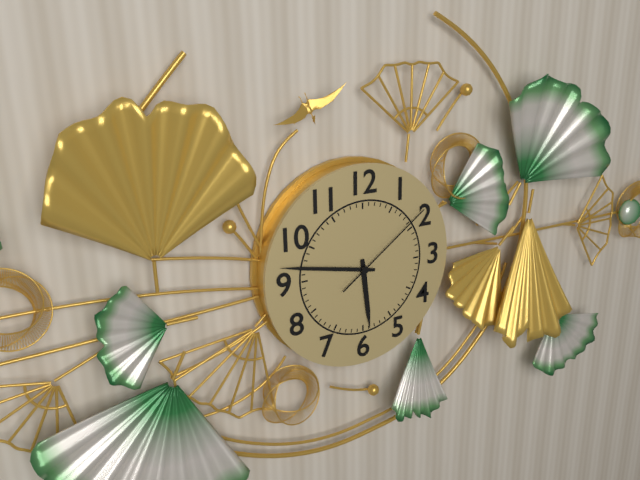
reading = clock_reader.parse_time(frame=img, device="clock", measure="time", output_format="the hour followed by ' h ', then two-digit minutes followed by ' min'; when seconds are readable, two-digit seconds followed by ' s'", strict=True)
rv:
5 h 47 min 09 s
